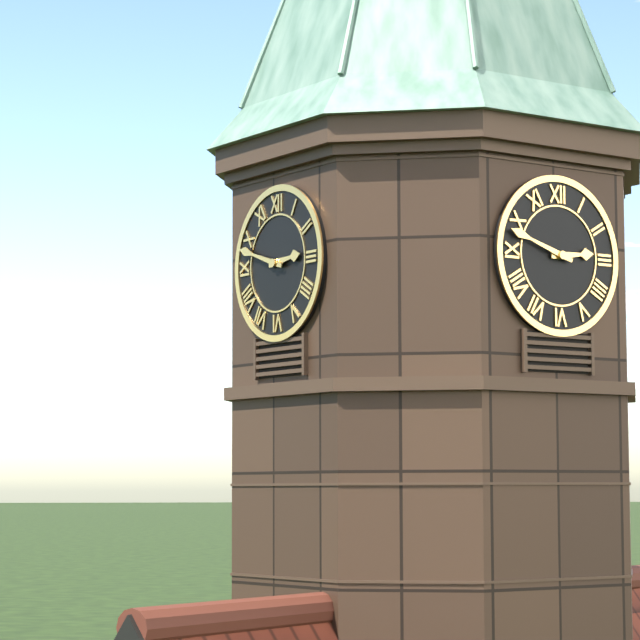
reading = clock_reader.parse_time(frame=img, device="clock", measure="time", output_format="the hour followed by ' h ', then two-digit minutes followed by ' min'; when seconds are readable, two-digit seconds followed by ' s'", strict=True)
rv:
2 h 48 min
